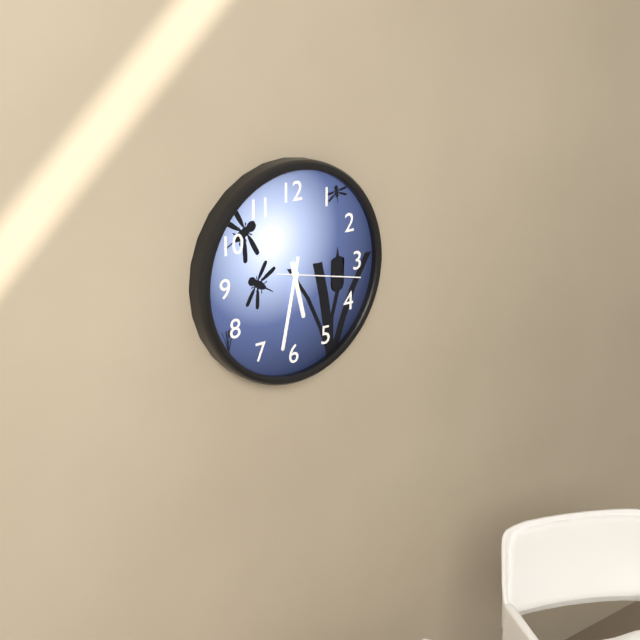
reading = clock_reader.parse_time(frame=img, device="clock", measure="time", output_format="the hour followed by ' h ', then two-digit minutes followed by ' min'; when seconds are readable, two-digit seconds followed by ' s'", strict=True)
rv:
5 h 32 min 17 s
